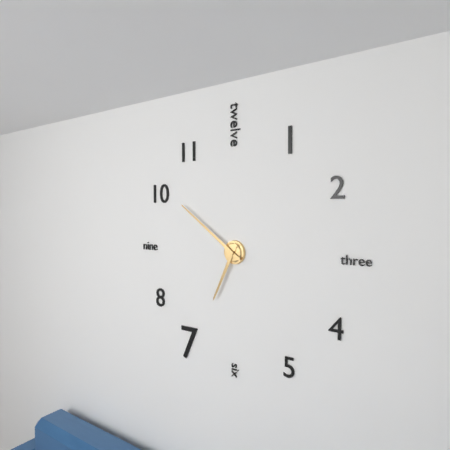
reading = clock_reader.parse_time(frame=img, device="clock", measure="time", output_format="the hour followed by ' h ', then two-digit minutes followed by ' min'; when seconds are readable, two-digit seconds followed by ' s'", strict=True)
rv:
6 h 51 min
